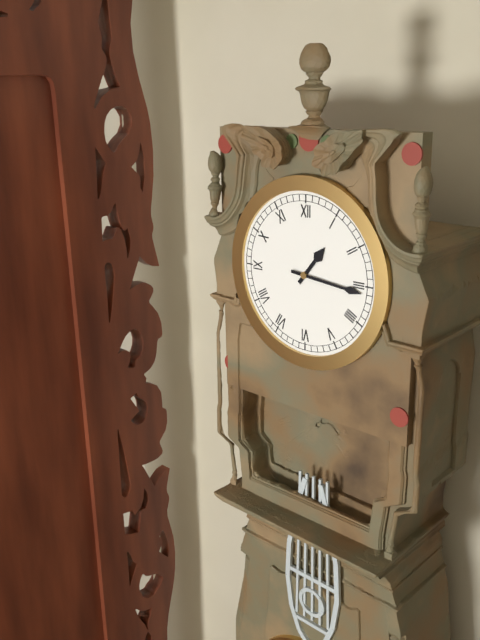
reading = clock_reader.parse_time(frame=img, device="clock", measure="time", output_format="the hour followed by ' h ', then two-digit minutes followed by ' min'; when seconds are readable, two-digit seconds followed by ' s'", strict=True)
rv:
1 h 16 min
